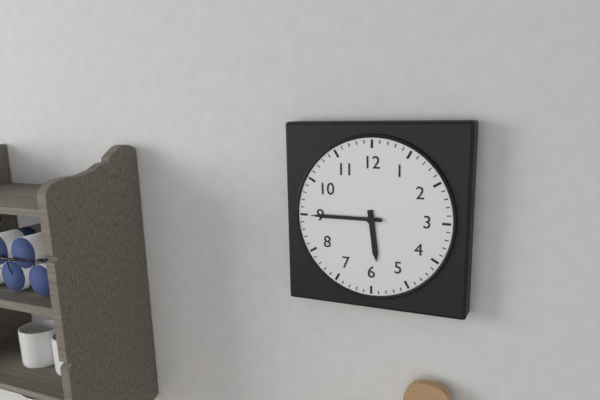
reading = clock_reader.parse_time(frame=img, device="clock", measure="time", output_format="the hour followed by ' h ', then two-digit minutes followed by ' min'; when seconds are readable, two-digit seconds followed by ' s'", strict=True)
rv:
5 h 45 min
